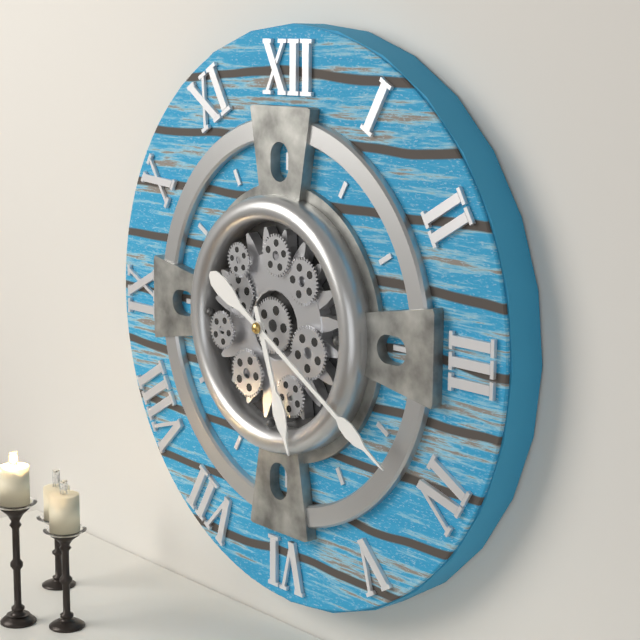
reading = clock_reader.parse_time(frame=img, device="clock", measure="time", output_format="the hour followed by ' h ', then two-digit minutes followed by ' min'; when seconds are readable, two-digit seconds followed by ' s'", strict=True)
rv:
5 h 20 min
